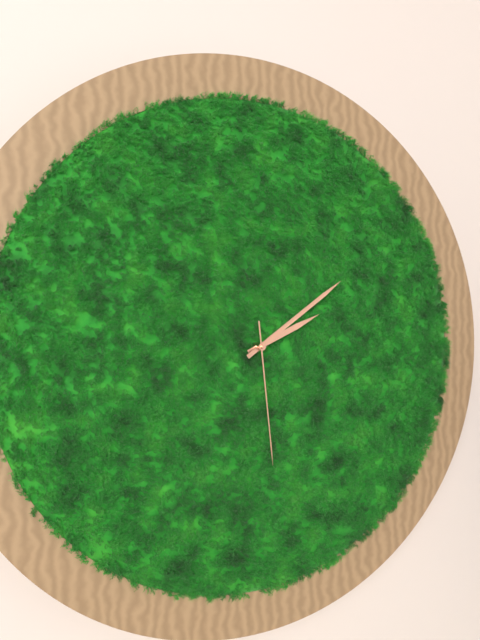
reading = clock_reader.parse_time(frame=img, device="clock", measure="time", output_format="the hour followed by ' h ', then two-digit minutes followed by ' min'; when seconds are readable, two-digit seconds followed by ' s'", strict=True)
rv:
2 h 09 min 29 s
